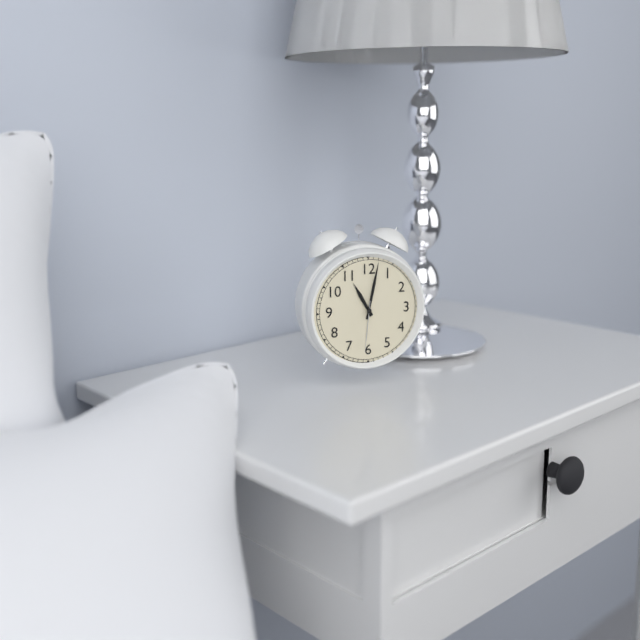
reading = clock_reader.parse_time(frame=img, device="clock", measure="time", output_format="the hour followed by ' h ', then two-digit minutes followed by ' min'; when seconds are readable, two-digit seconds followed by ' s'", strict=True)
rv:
11 h 02 min 31 s
